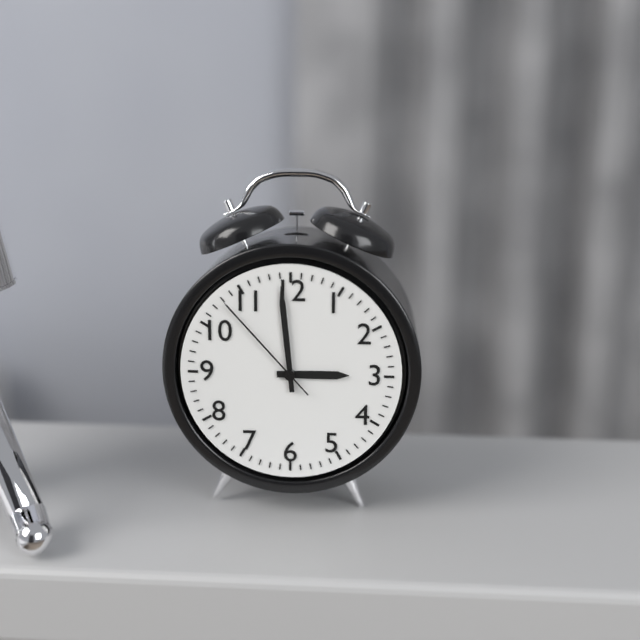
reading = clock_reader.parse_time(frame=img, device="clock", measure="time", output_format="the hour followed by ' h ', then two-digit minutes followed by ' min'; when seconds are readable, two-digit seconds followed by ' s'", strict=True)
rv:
2 h 59 min 53 s
